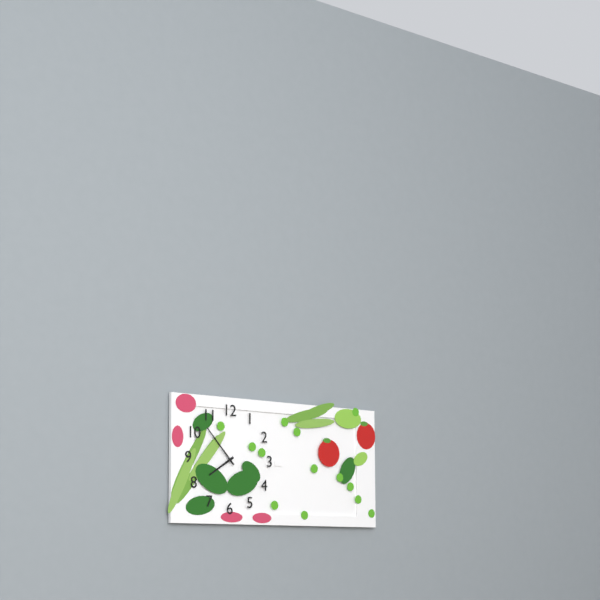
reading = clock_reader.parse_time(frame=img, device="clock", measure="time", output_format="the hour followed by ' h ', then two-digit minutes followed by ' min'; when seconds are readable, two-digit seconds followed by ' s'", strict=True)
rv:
7 h 53 min
